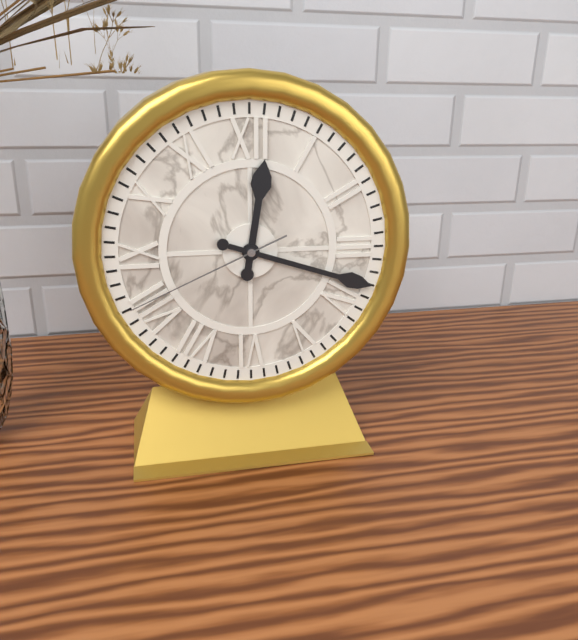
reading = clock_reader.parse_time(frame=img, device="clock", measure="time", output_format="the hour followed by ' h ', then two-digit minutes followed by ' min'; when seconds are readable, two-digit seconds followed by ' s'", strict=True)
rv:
12 h 18 min 41 s
